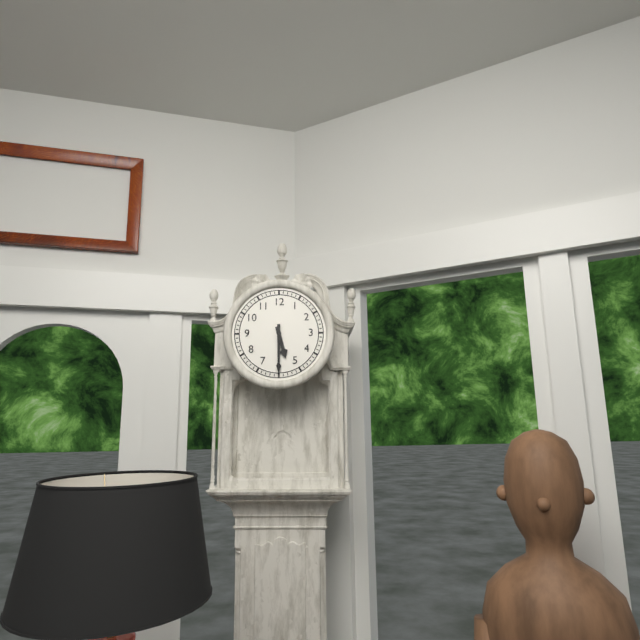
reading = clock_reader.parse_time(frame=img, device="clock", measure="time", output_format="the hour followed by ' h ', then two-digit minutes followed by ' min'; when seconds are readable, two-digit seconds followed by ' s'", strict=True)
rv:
5 h 30 min
